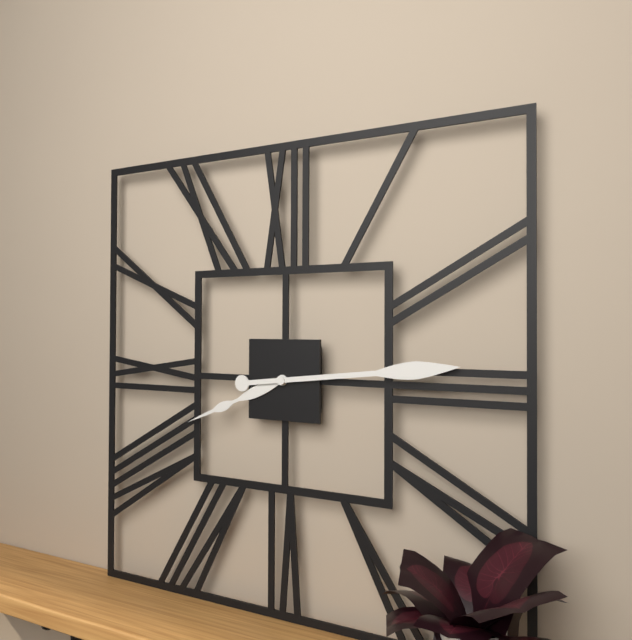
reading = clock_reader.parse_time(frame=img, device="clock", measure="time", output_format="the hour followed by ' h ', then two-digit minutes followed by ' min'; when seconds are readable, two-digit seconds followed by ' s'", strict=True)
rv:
8 h 14 min
